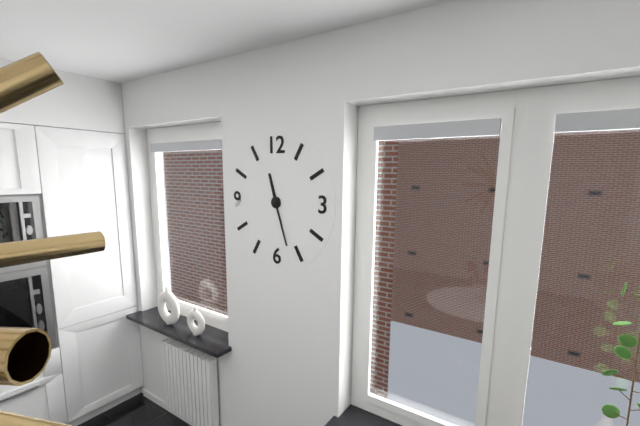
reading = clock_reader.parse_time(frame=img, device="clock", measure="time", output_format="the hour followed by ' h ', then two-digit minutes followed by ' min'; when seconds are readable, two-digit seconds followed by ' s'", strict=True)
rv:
11 h 27 min
